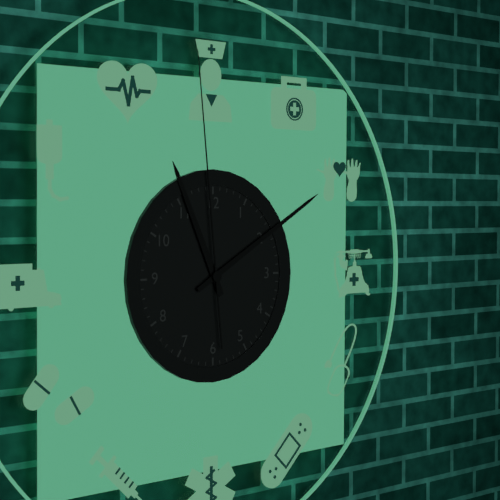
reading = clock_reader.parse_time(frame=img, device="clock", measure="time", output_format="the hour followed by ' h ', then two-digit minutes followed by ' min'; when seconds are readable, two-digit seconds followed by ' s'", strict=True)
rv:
11 h 10 min 59 s
